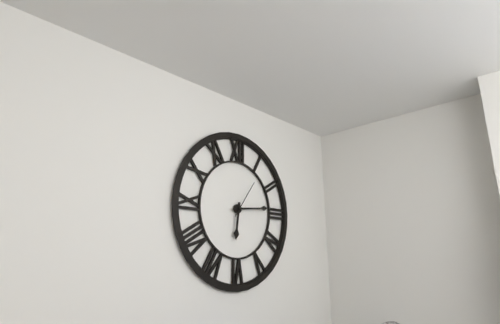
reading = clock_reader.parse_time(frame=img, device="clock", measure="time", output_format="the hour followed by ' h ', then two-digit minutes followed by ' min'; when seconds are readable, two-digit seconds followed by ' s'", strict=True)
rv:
6 h 14 min
